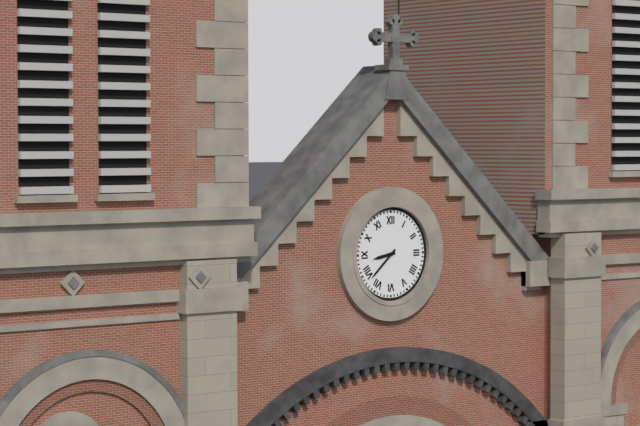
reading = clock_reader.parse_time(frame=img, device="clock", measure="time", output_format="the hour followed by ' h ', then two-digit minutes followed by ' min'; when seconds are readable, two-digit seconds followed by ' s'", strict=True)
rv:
8 h 38 min
